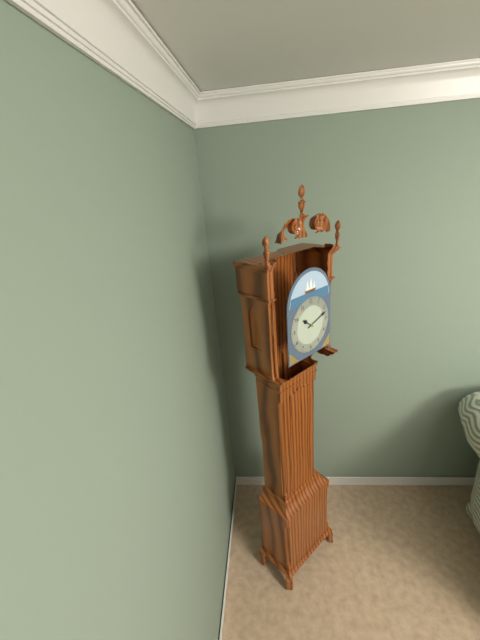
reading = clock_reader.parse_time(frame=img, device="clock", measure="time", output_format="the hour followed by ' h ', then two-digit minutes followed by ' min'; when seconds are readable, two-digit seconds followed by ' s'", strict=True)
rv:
10 h 12 min
